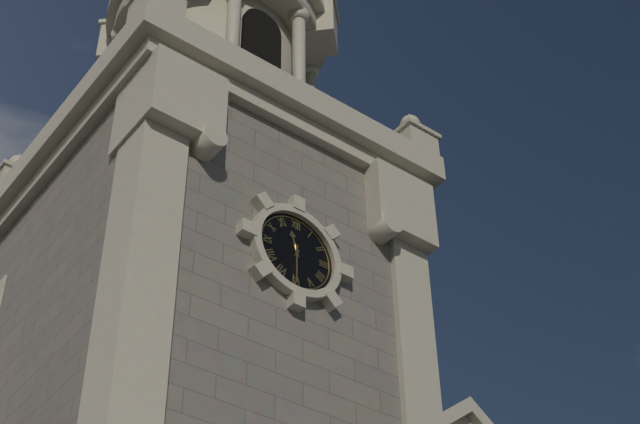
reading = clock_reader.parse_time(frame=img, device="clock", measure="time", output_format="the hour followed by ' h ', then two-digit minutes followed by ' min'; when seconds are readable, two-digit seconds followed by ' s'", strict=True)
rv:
11 h 30 min
